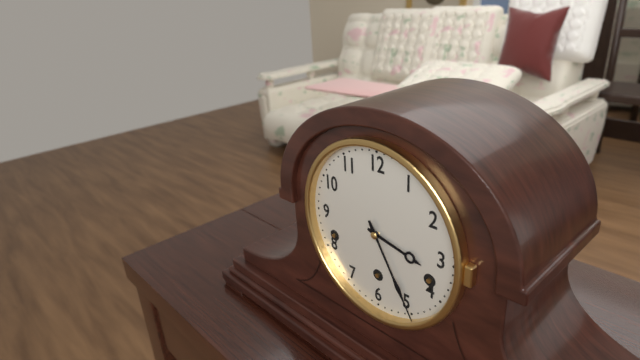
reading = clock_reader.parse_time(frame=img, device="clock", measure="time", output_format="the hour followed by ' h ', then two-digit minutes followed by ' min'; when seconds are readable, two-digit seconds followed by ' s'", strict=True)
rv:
3 h 25 min
